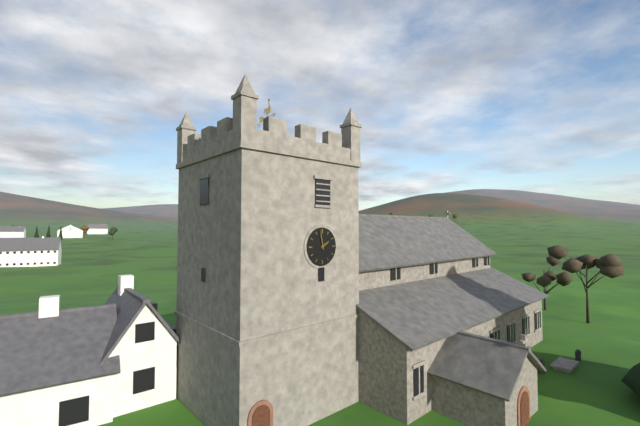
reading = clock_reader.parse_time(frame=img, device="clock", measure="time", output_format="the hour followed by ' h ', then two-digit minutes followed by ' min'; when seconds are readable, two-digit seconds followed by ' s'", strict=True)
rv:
1 h 58 min
